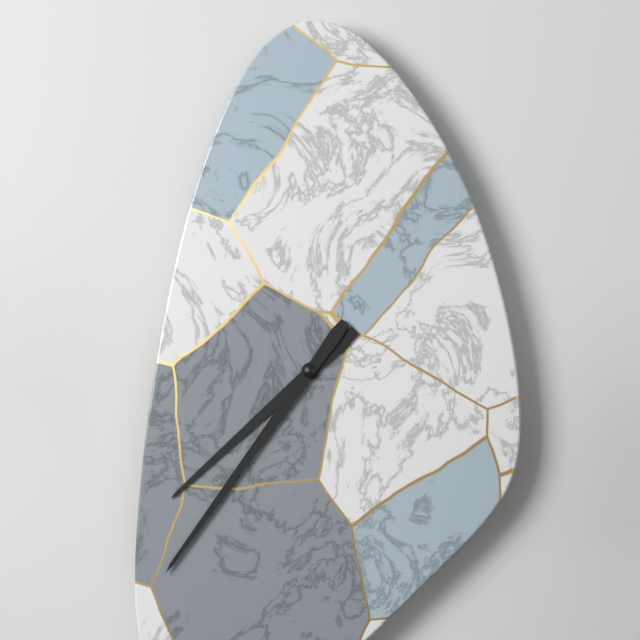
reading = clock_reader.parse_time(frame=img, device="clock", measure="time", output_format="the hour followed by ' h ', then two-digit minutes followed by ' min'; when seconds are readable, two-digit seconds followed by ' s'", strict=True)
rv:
7 h 36 min
